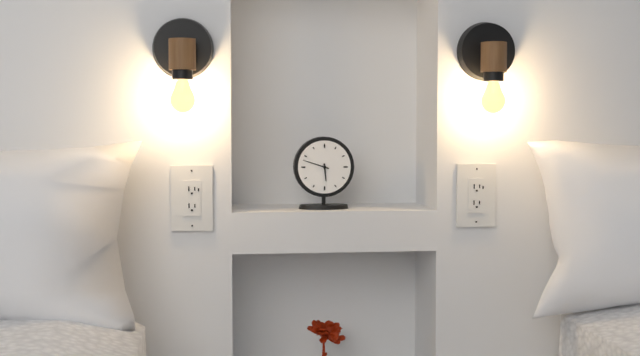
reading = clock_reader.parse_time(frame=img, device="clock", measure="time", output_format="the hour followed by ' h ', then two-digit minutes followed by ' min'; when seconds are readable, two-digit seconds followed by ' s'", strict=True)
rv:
5 h 48 min
